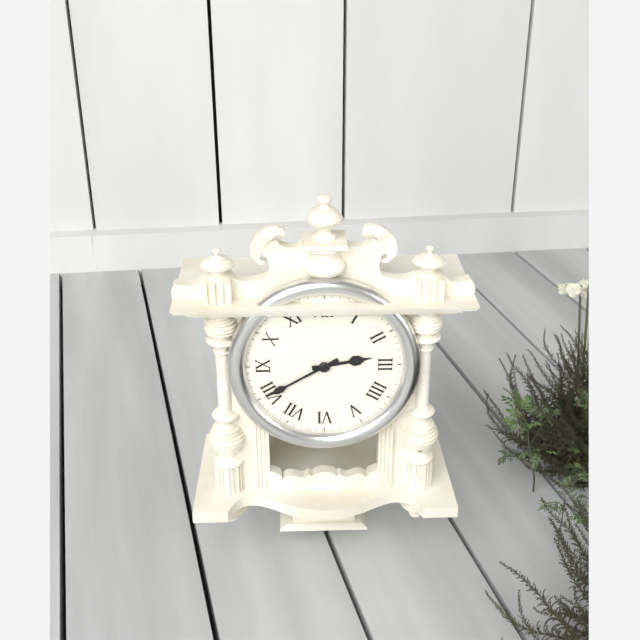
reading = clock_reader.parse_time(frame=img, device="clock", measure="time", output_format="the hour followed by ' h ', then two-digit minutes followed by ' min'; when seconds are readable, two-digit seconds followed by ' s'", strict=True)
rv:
2 h 40 min
